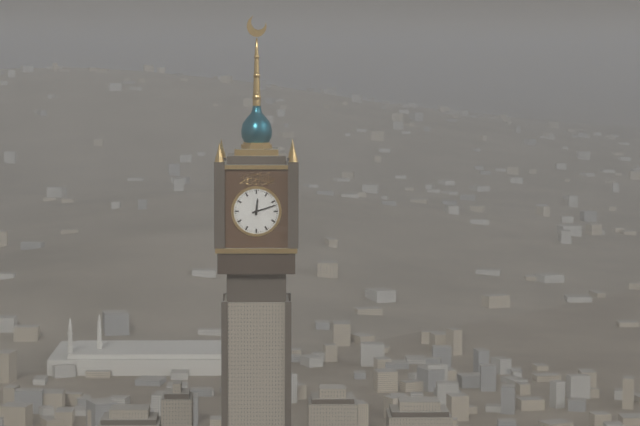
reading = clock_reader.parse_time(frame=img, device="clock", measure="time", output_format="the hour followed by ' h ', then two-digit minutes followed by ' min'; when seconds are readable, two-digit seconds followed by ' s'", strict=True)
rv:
12 h 12 min
